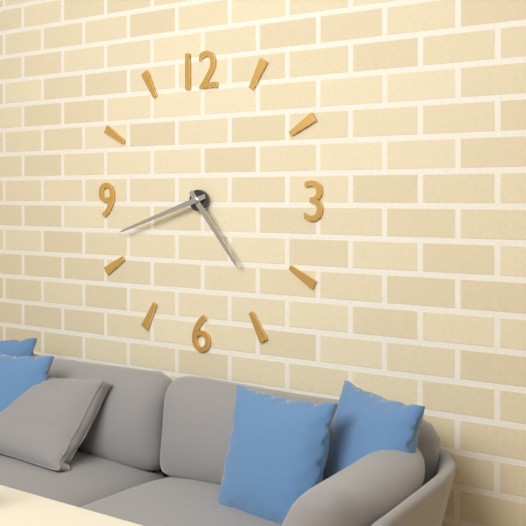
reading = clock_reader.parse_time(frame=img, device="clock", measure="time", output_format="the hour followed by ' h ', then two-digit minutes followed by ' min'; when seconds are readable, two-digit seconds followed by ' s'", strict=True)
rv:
4 h 42 min
